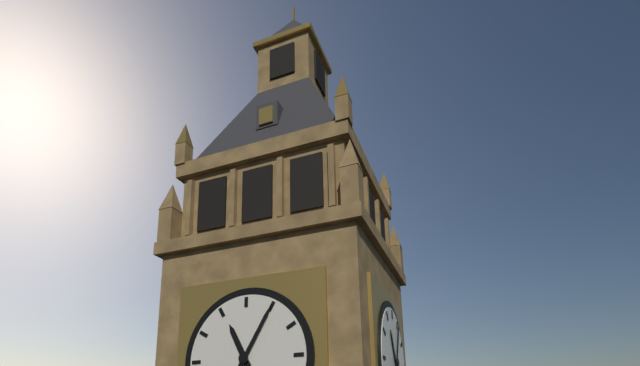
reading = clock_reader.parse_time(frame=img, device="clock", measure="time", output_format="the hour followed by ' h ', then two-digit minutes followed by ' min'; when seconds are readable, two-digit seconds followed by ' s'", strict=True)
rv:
11 h 05 min
